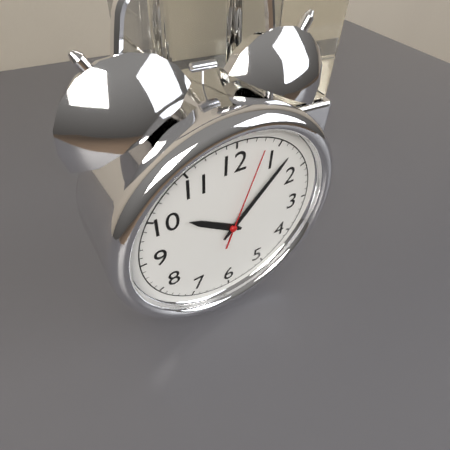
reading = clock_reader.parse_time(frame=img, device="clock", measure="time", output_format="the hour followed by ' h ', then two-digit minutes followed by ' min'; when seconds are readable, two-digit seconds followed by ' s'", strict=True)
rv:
10 h 07 min 03 s
